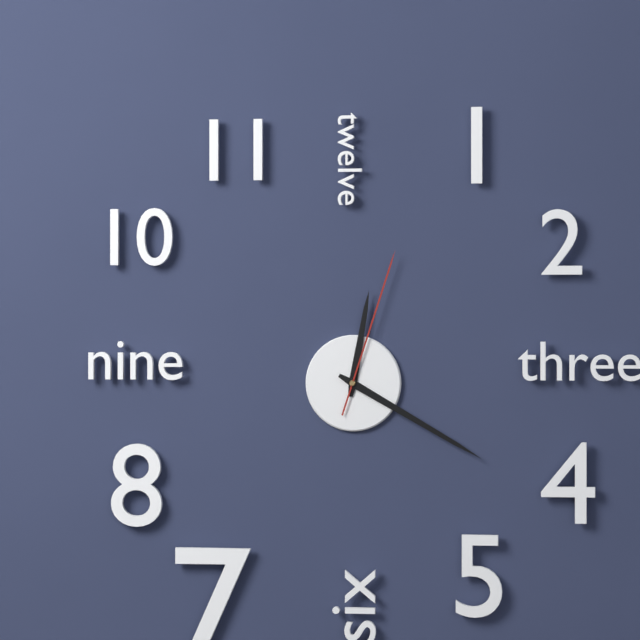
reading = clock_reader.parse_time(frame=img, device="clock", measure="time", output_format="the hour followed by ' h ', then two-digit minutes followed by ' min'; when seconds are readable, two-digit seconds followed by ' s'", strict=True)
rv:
12 h 20 min 03 s
